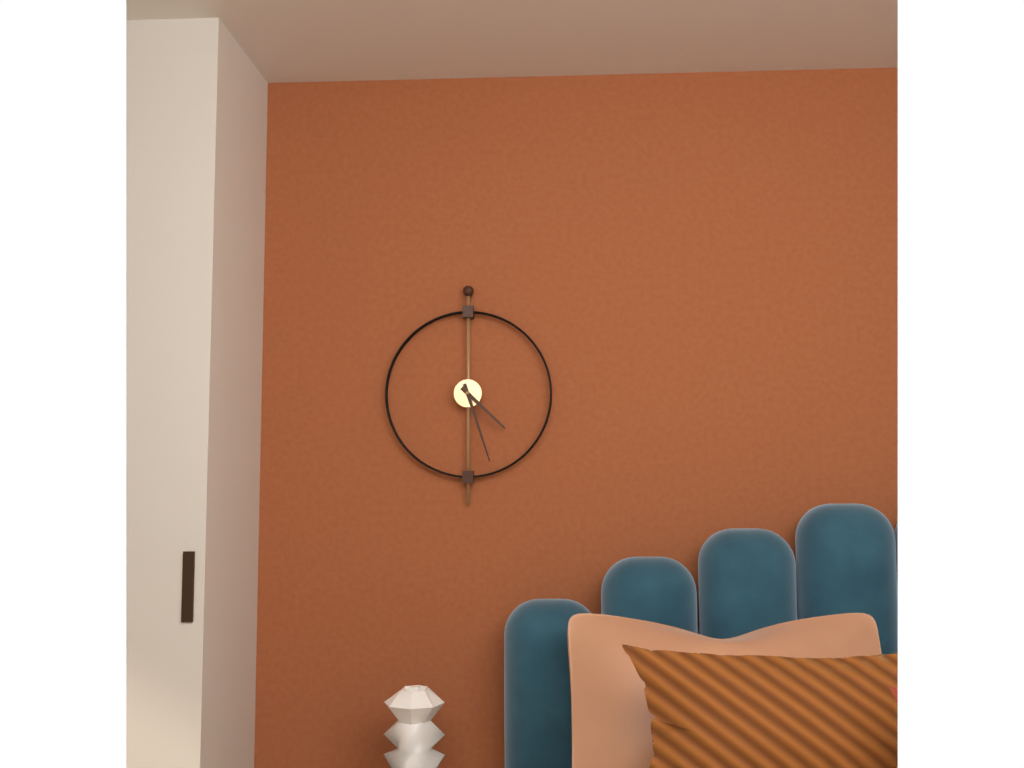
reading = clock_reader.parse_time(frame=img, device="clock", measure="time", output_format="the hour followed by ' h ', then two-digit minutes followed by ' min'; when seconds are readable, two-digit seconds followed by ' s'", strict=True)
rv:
4 h 27 min
